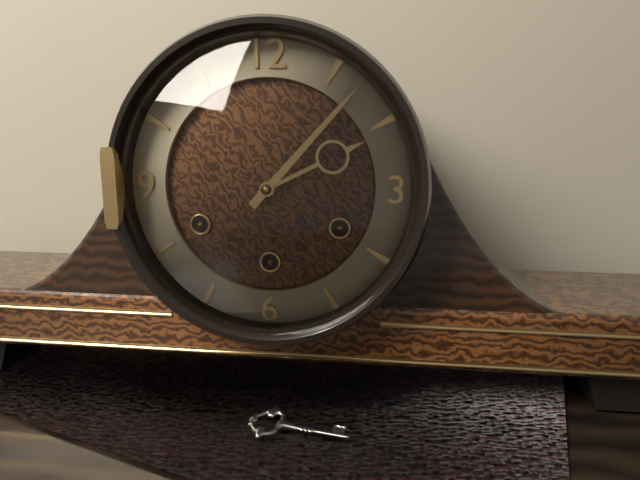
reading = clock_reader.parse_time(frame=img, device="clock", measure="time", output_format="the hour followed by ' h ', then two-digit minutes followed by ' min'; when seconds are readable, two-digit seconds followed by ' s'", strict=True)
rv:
2 h 07 min
